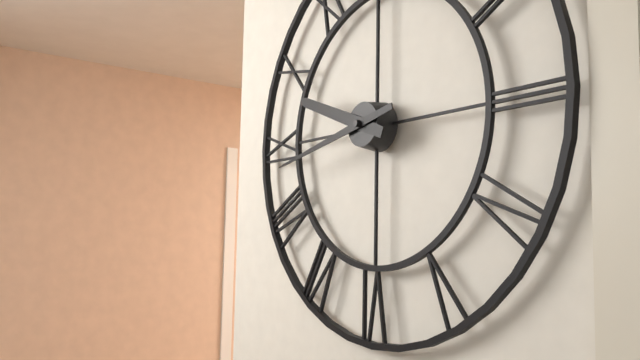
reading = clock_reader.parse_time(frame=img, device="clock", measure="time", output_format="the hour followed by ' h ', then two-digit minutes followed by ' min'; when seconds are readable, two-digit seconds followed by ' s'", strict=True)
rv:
9 h 43 min
